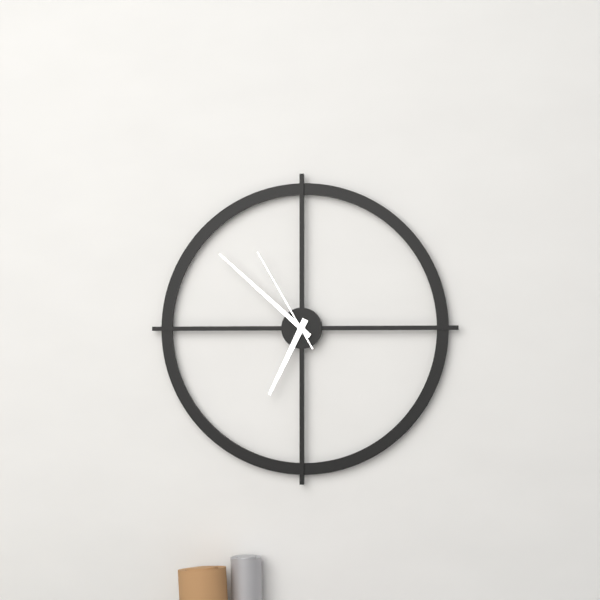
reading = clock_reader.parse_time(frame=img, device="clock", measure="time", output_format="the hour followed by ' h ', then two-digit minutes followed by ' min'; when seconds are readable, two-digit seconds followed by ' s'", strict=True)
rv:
6 h 52 min 55 s
